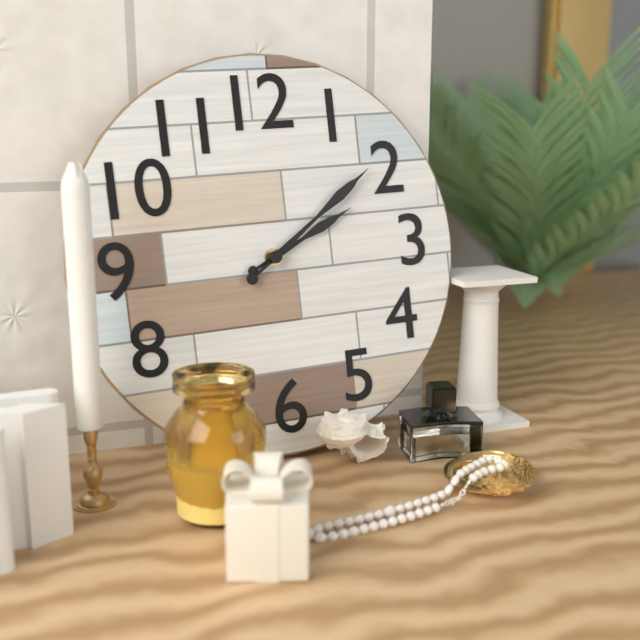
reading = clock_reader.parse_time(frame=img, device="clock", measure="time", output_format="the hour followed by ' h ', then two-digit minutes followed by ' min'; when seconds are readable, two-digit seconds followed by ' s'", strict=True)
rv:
2 h 09 min
